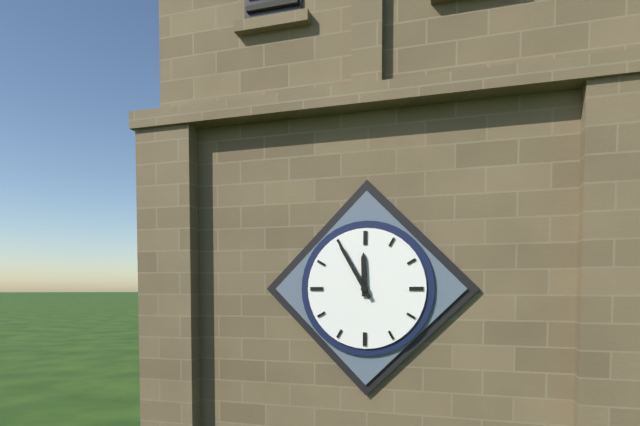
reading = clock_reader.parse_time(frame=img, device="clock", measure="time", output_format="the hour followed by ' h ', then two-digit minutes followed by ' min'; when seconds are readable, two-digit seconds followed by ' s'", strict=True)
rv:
11 h 55 min
